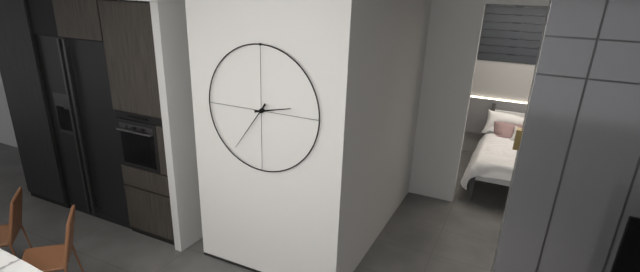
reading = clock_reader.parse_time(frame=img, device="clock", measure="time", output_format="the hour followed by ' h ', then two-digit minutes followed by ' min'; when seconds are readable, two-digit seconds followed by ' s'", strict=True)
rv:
2 h 36 min
